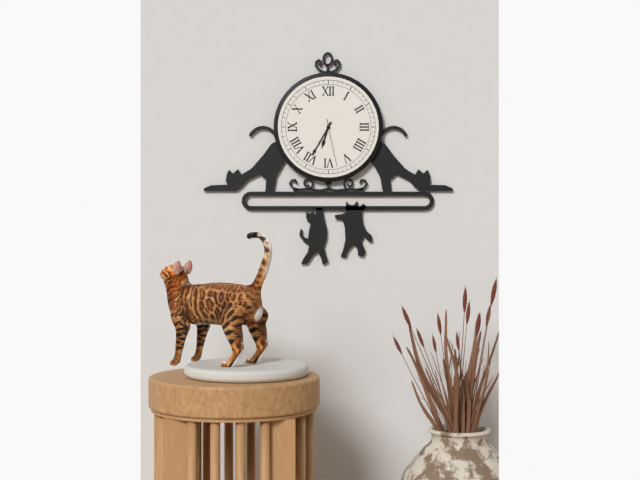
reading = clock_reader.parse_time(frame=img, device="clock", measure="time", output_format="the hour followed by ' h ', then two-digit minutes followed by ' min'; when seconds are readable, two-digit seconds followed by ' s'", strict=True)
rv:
6 h 35 min
